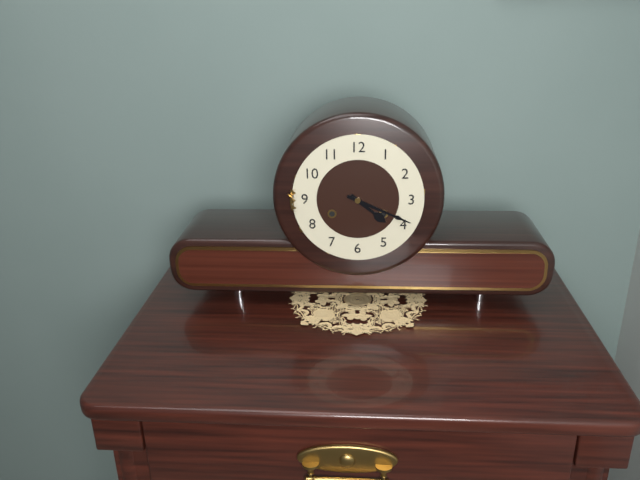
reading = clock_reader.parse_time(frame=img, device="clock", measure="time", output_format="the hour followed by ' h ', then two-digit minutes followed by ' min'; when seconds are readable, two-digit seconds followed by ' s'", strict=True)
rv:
4 h 19 min
